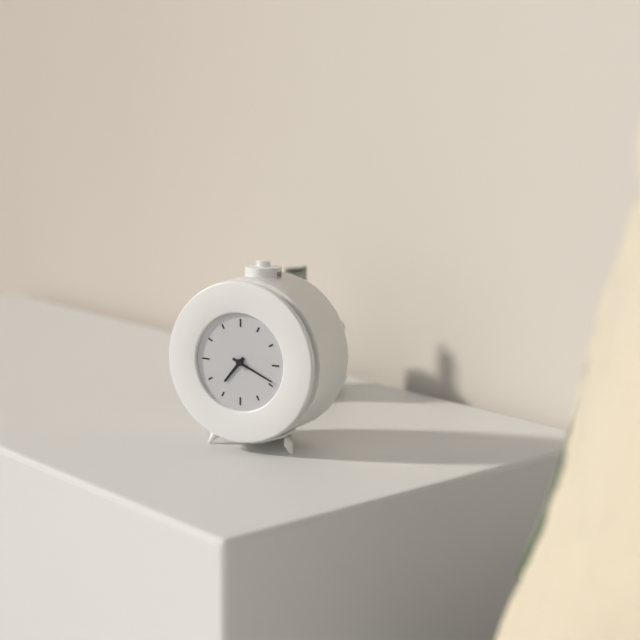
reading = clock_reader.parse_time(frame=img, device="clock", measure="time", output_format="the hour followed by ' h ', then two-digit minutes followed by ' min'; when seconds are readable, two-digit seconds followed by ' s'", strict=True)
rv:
7 h 19 min
